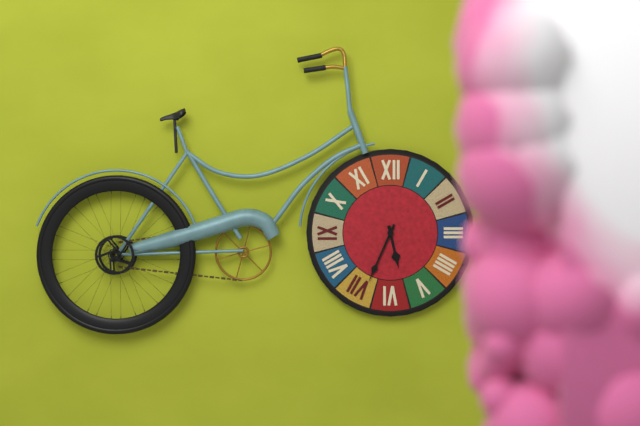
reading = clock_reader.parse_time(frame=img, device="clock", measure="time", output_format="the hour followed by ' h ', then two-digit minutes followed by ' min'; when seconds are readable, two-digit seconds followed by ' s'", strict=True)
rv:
5 h 34 min
